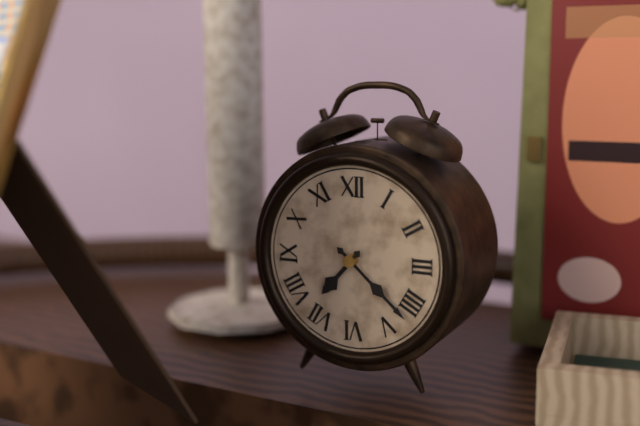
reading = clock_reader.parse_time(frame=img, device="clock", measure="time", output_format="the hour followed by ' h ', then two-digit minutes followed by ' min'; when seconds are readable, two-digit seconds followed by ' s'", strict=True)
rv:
7 h 22 min
